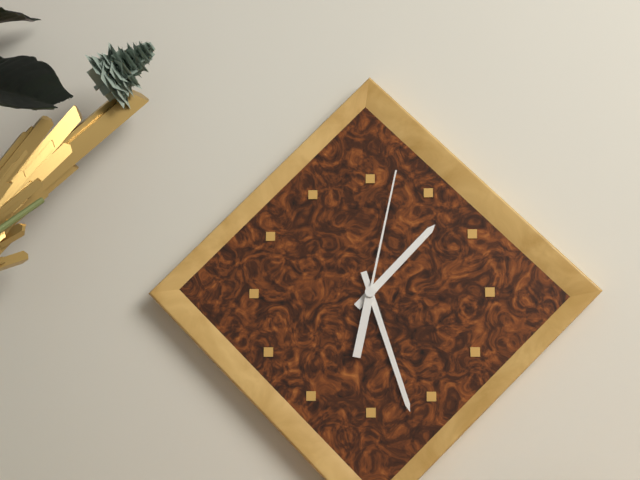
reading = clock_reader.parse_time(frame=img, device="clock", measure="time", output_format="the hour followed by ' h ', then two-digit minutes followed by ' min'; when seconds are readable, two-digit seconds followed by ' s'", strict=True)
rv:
1 h 27 min 02 s
